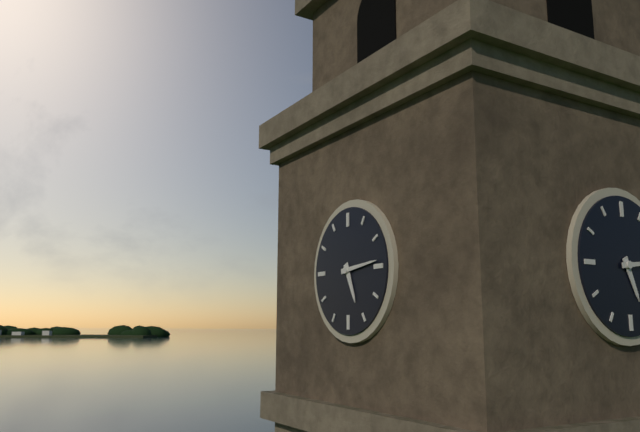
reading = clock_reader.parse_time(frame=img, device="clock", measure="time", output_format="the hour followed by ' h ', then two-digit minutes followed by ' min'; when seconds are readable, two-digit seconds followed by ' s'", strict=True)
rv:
5 h 14 min
